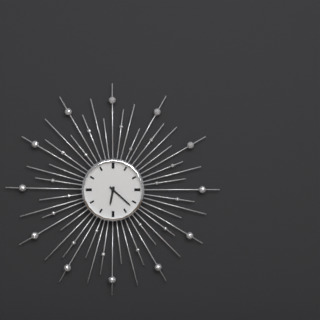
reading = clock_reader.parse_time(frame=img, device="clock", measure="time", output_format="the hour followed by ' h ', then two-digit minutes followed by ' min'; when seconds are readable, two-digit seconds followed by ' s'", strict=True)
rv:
6 h 22 min
